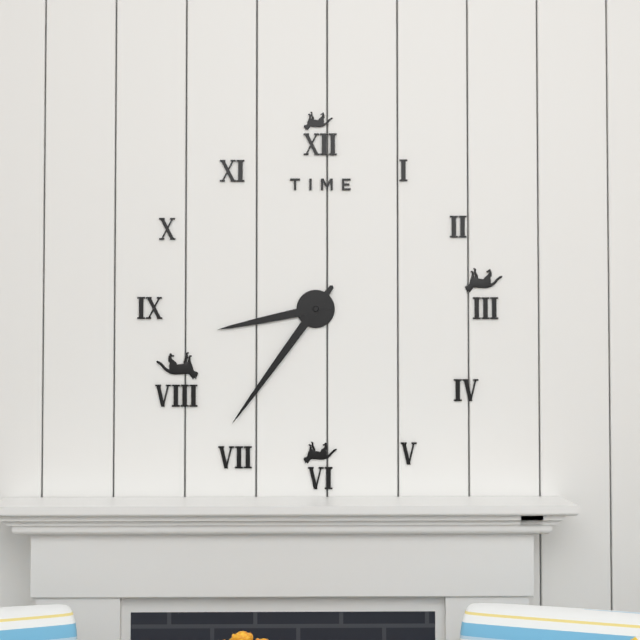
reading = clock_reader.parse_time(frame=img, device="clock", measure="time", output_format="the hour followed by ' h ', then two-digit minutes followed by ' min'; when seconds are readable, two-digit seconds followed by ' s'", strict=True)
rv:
8 h 36 min
